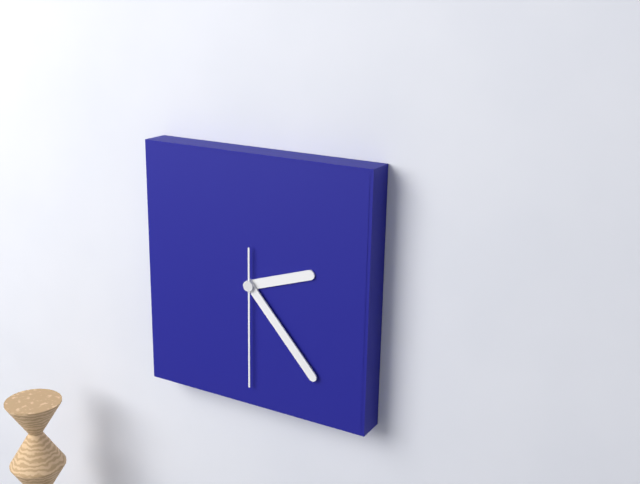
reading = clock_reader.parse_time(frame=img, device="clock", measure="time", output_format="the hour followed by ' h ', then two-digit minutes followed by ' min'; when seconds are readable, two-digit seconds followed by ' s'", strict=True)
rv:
2 h 23 min 30 s
